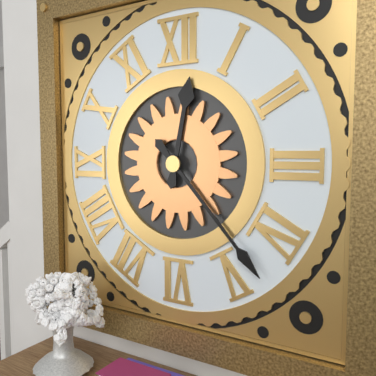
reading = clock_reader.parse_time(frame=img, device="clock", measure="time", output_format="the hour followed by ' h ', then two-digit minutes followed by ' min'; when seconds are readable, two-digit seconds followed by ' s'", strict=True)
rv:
12 h 23 min
